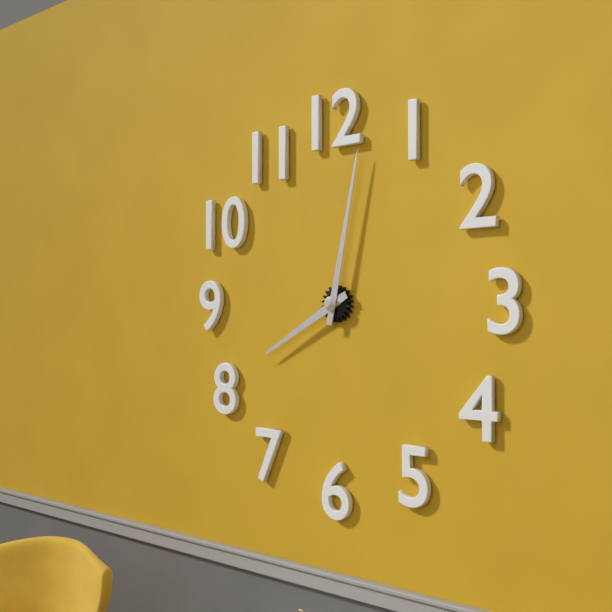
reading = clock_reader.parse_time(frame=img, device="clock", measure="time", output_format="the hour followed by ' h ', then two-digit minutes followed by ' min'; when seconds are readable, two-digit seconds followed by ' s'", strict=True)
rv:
8 h 02 min
